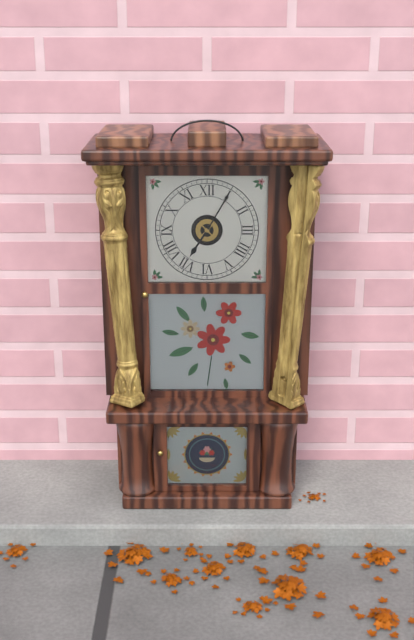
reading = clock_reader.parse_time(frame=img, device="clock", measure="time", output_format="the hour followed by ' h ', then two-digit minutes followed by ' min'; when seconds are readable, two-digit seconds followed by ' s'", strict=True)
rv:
7 h 05 min
